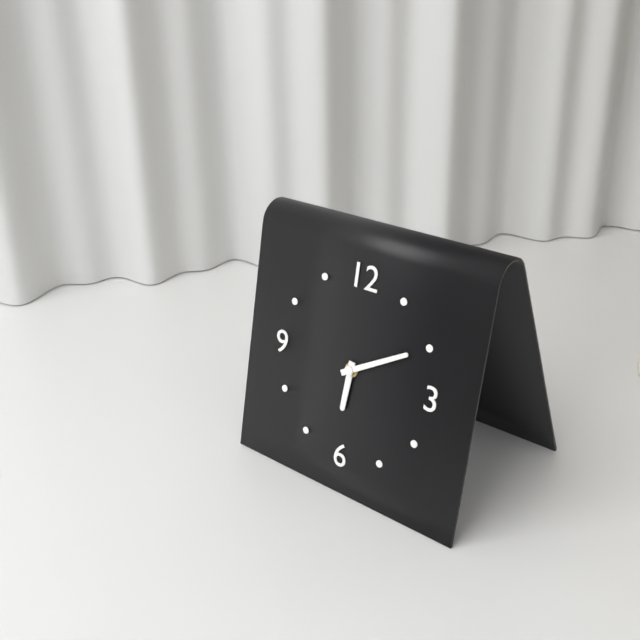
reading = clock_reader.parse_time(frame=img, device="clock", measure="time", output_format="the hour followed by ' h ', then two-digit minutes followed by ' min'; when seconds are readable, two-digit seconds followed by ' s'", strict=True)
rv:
6 h 10 min
